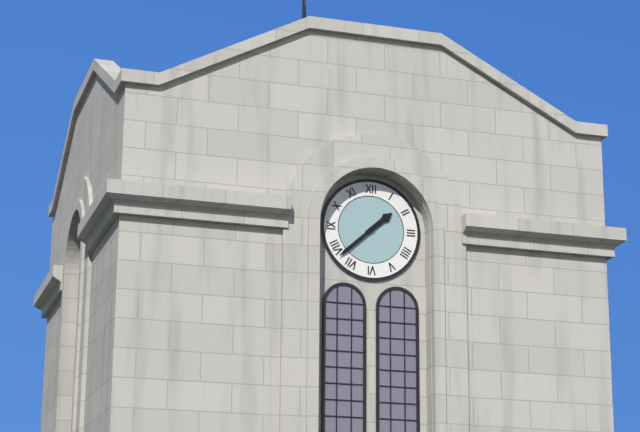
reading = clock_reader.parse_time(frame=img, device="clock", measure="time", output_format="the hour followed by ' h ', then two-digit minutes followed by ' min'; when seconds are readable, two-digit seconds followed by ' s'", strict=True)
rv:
1 h 38 min
